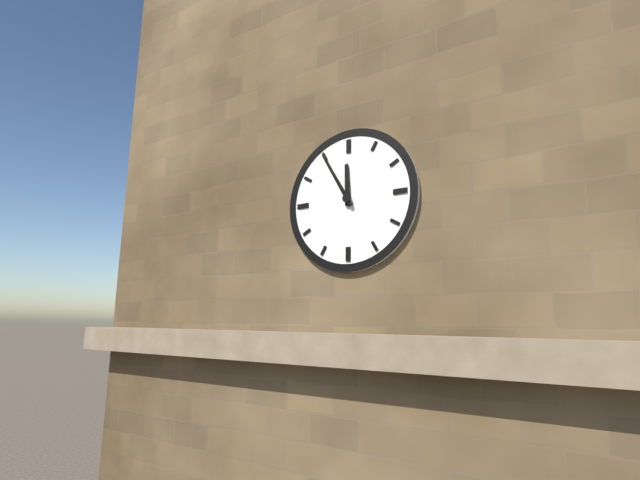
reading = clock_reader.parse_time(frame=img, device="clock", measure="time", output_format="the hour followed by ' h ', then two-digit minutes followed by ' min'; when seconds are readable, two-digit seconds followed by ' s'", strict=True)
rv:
11 h 55 min
